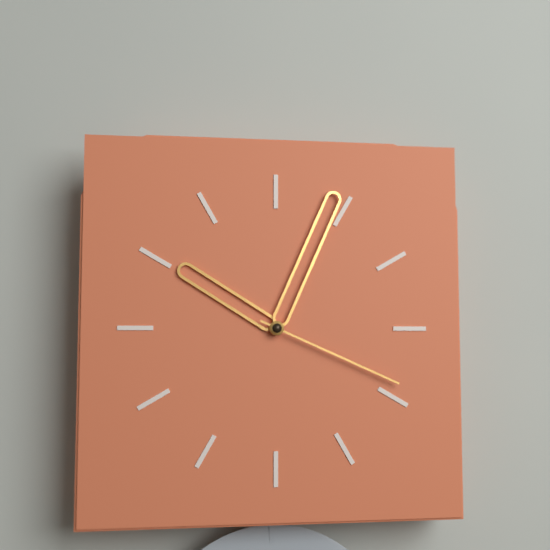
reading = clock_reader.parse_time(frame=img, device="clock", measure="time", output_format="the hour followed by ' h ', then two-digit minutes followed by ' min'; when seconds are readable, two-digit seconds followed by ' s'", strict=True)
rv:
10 h 04 min 19 s
